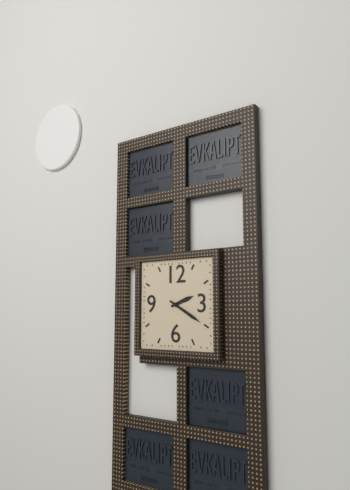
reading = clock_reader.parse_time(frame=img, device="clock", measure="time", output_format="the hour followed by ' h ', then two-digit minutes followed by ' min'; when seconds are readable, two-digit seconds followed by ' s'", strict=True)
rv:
2 h 20 min
